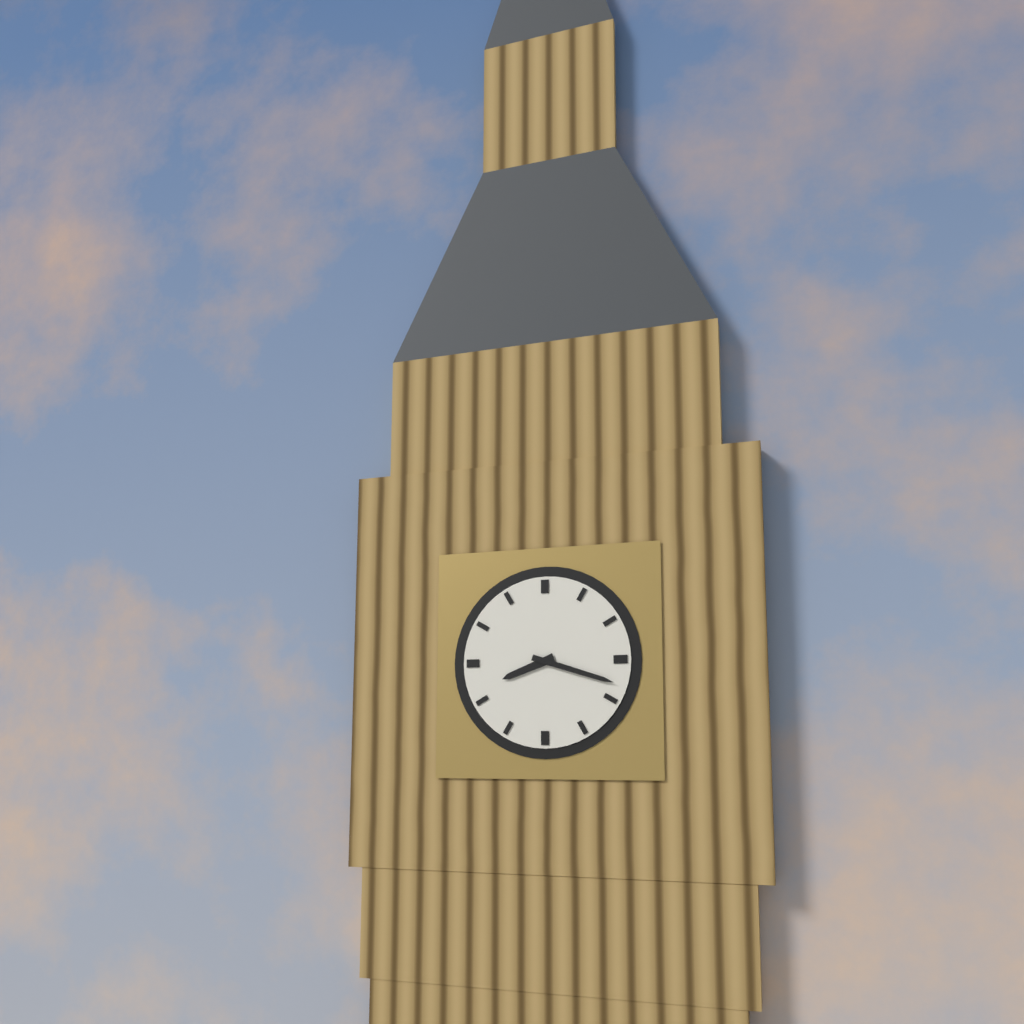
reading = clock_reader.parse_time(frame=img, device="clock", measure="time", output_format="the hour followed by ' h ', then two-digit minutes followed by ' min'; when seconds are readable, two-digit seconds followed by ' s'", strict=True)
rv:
8 h 18 min
